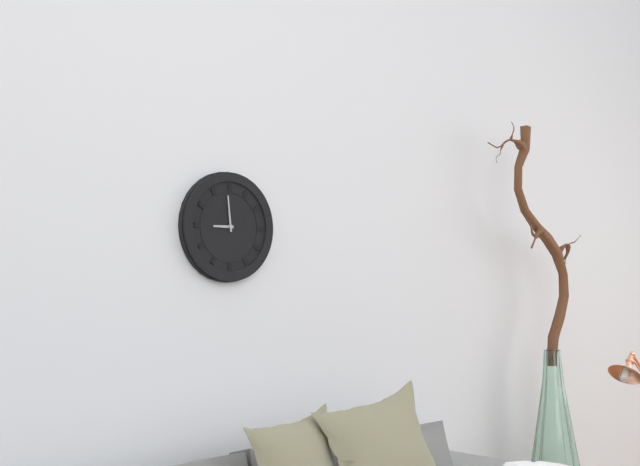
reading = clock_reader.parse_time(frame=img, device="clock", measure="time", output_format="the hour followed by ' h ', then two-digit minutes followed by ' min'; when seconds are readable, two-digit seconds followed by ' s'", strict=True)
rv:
8 h 59 min
